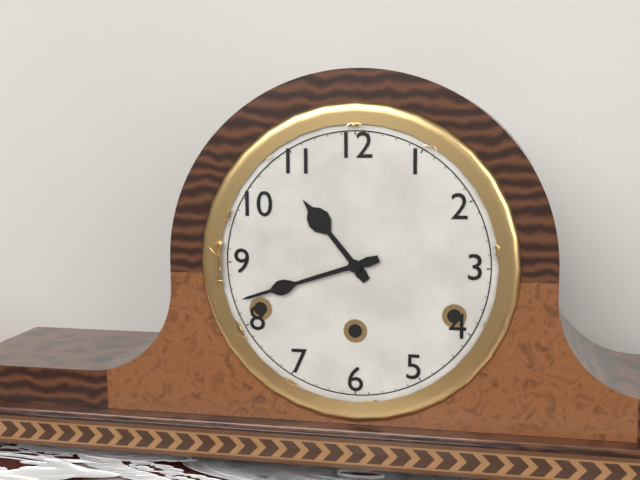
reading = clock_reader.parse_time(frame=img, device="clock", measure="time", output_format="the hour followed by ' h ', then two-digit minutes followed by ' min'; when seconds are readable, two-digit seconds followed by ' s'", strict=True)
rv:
10 h 42 min
